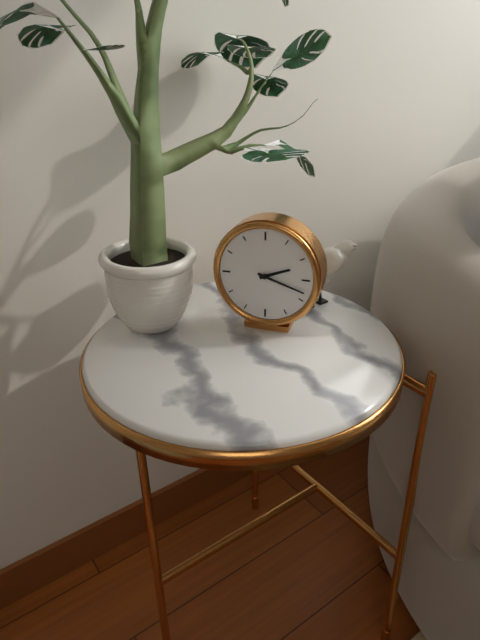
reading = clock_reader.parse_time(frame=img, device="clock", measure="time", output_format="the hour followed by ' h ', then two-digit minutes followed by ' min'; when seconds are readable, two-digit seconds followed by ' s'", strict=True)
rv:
2 h 18 min
